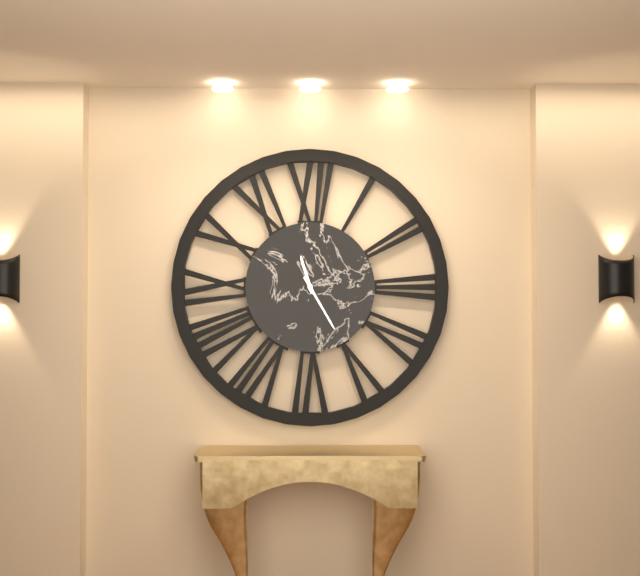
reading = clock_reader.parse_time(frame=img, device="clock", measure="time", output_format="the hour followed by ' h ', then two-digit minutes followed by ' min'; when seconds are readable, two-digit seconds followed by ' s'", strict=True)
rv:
11 h 25 min
